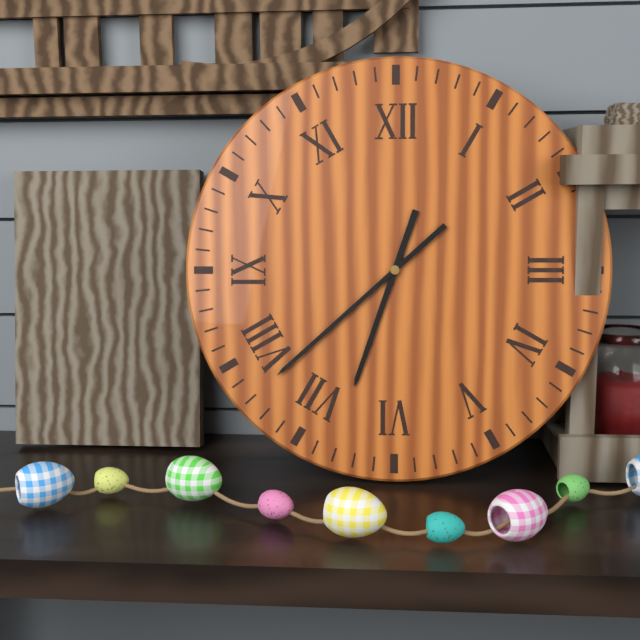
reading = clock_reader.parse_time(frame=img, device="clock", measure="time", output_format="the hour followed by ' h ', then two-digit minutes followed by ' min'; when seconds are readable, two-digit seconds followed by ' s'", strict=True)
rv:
6 h 38 min
